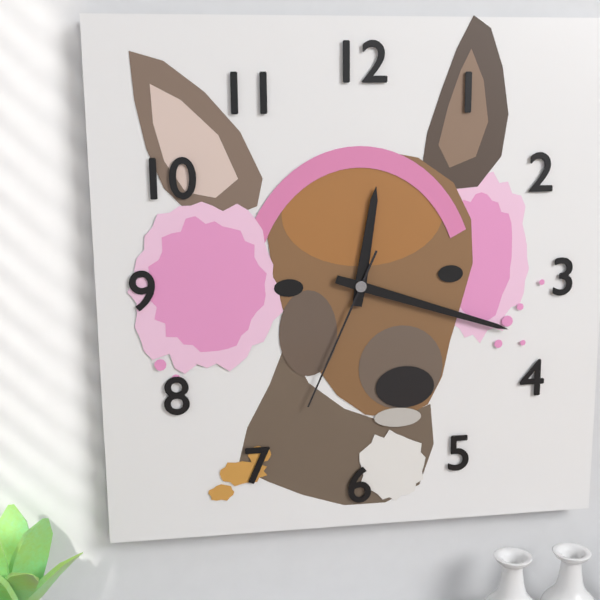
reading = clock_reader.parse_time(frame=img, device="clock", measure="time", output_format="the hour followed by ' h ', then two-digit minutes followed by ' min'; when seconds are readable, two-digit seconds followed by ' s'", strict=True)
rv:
12 h 18 min 34 s
